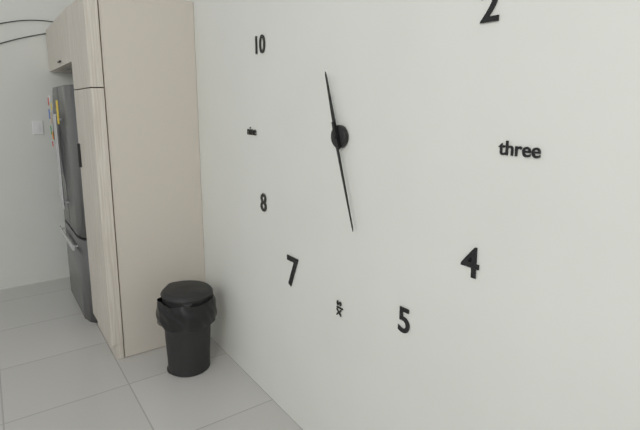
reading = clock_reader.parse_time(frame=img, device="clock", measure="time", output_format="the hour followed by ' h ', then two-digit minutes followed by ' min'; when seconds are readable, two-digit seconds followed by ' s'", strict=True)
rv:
11 h 27 min
